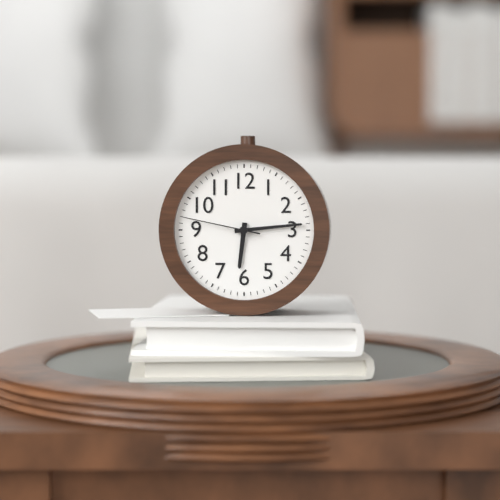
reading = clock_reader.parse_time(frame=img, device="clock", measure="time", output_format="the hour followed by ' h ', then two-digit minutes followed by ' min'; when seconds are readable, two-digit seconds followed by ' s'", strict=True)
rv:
6 h 14 min 47 s
